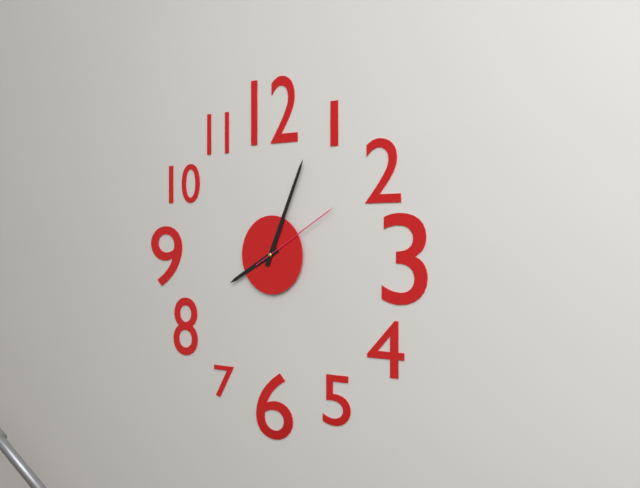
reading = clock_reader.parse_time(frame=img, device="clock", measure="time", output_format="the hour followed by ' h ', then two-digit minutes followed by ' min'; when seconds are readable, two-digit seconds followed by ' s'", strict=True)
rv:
8 h 04 min 10 s
